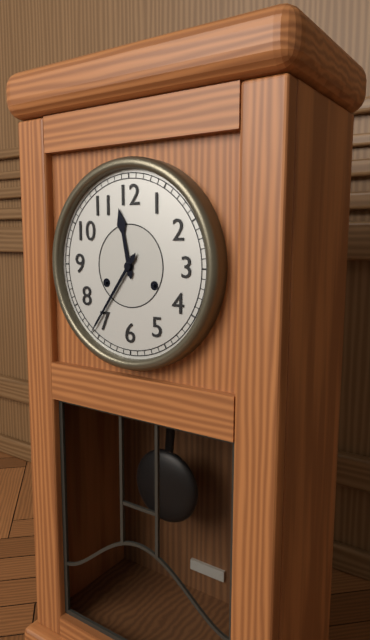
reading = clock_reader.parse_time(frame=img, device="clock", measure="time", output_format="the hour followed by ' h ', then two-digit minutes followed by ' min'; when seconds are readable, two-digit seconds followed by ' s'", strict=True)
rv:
11 h 36 min
